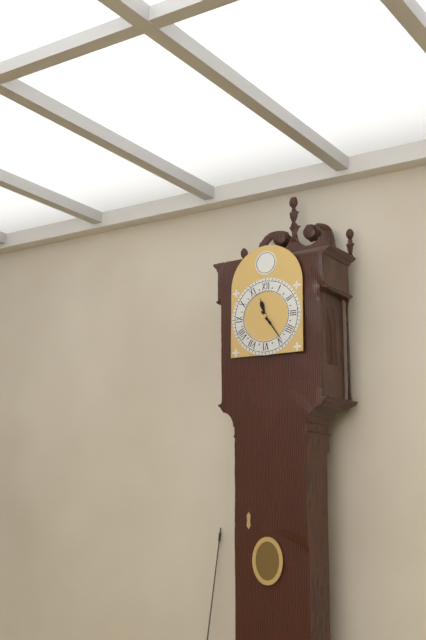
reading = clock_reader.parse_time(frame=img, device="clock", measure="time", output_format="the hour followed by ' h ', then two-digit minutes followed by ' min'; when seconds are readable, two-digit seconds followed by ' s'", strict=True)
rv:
11 h 24 min
